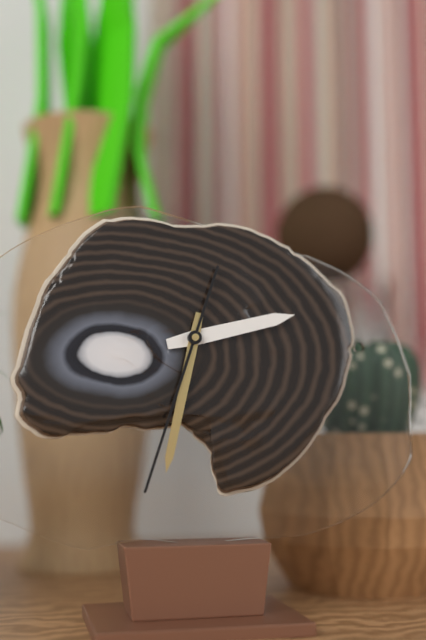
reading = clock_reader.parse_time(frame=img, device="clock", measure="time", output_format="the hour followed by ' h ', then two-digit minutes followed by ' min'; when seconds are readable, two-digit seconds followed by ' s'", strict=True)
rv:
2 h 32 min 33 s
